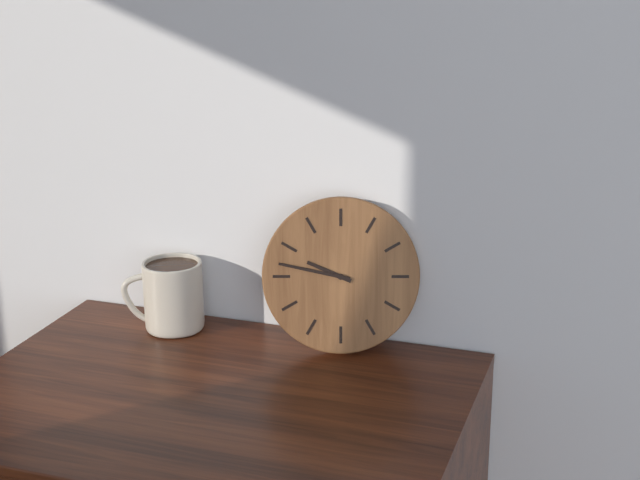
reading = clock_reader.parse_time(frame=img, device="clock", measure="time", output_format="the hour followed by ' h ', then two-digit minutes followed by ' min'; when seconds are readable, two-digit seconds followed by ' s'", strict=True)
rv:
9 h 47 min
